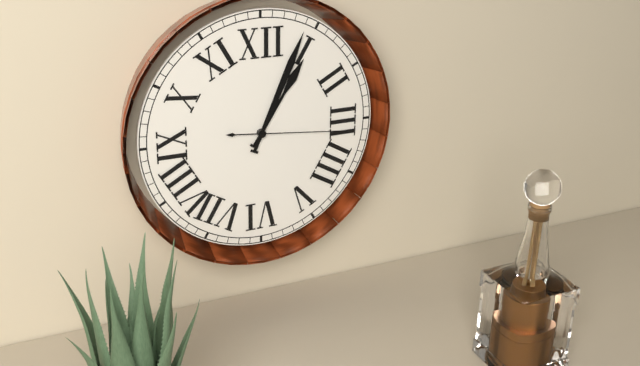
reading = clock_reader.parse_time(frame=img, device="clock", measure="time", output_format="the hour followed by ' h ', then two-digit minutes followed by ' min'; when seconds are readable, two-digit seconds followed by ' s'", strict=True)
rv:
1 h 04 min 16 s
